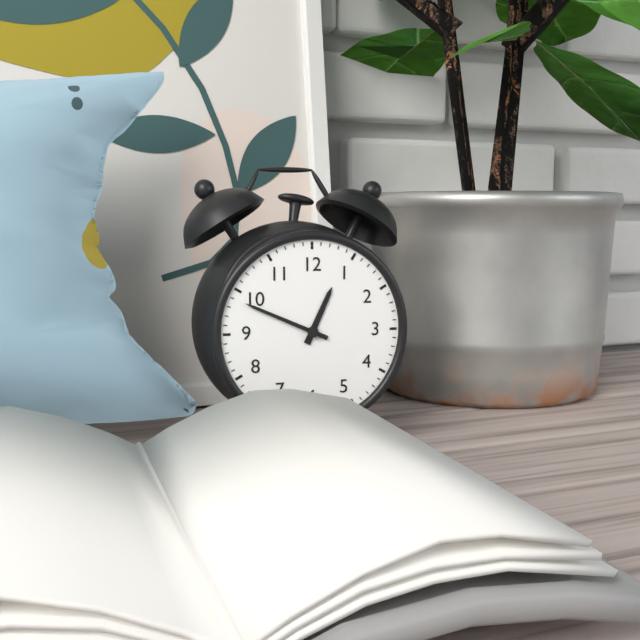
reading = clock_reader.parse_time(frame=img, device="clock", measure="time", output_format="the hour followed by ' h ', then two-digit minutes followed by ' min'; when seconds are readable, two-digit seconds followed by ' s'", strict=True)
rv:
12 h 49 min
